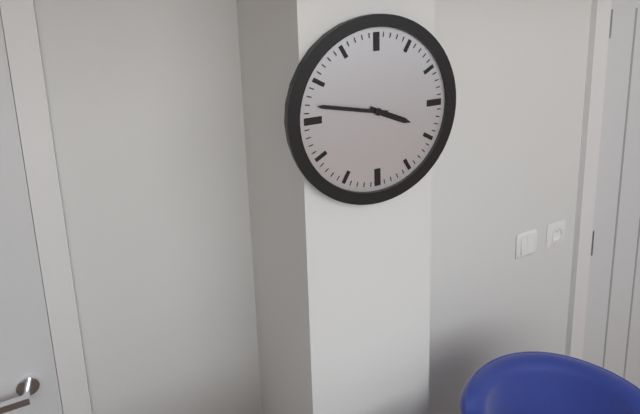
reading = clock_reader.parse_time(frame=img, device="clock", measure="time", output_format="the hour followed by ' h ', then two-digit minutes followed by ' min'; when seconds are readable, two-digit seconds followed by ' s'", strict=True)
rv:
3 h 47 min
